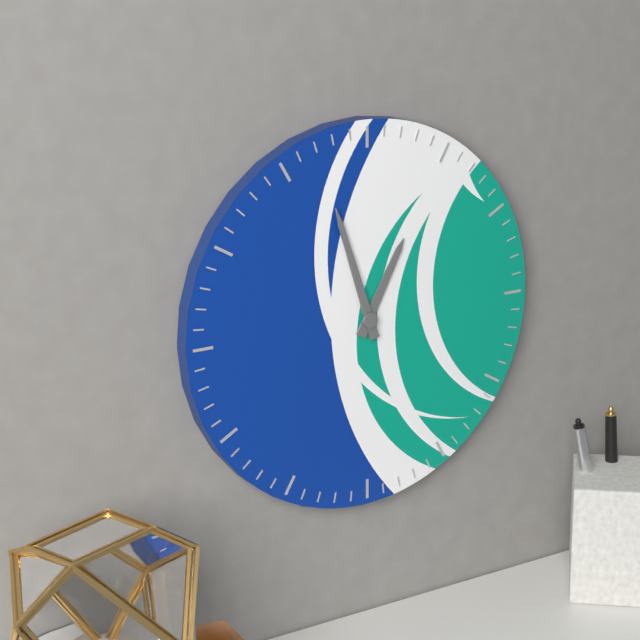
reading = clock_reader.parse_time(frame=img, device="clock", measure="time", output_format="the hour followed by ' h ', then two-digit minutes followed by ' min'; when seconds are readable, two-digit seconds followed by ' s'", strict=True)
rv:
12 h 57 min
